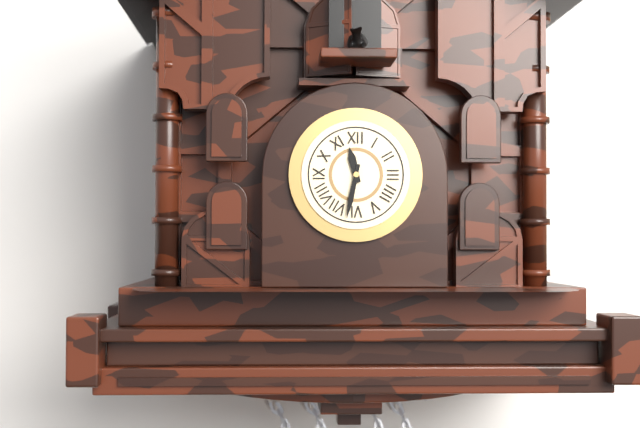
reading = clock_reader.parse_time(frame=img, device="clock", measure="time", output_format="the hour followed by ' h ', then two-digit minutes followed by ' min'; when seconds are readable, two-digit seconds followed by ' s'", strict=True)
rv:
11 h 32 min
